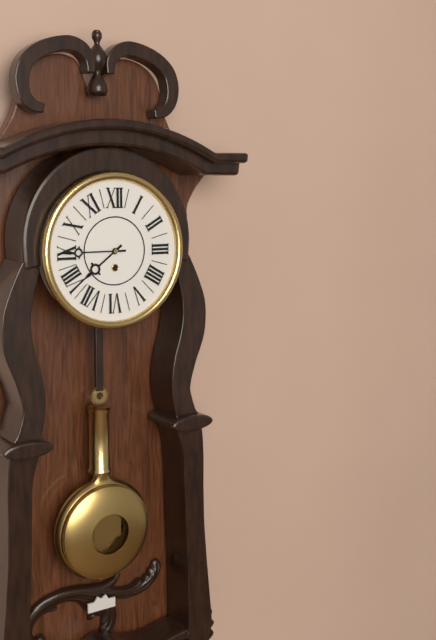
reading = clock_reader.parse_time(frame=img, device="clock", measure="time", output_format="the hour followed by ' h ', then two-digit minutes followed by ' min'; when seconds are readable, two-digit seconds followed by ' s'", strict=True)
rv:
7 h 45 min
